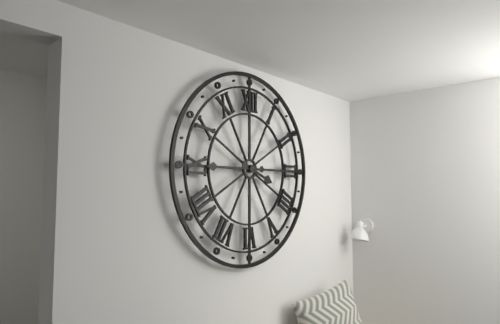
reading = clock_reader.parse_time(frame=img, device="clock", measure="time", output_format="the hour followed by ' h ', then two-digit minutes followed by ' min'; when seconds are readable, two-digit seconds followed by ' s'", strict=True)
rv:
3 h 45 min
